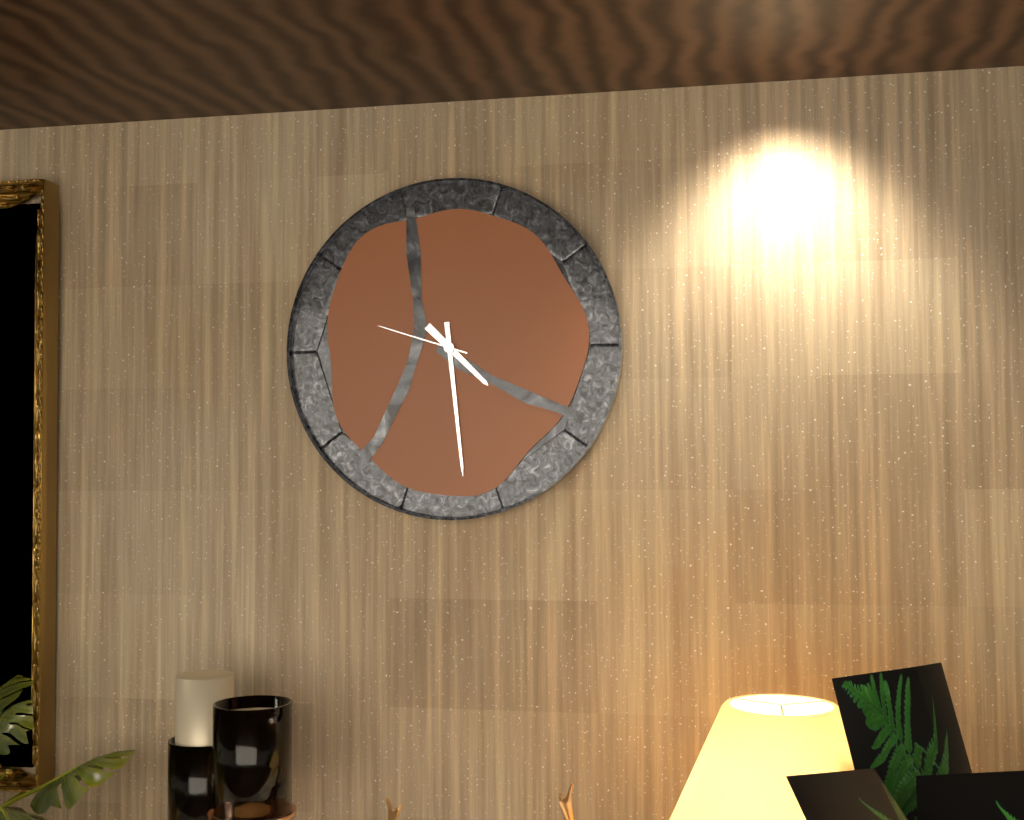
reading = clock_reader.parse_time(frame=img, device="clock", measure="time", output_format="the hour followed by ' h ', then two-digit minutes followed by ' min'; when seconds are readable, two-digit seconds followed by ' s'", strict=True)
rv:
4 h 29 min 48 s
